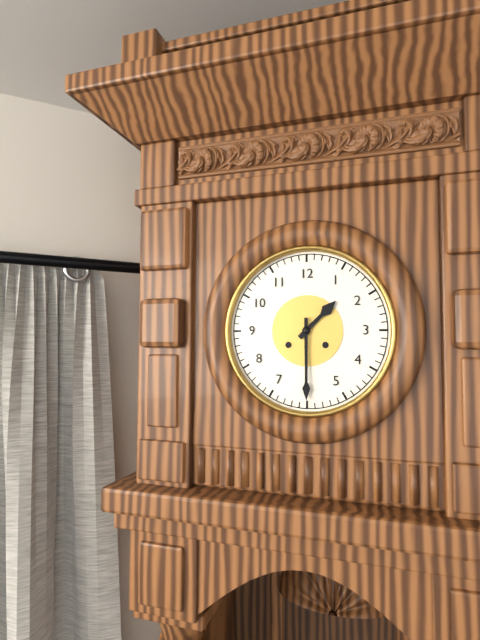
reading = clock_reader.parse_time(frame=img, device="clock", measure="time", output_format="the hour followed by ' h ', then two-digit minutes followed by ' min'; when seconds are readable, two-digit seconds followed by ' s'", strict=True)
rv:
1 h 30 min
